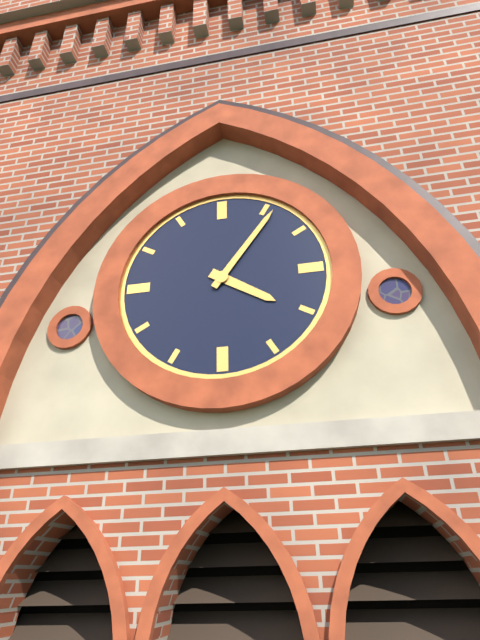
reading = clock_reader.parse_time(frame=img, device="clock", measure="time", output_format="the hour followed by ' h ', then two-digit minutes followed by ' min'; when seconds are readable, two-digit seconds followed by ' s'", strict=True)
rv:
4 h 06 min
